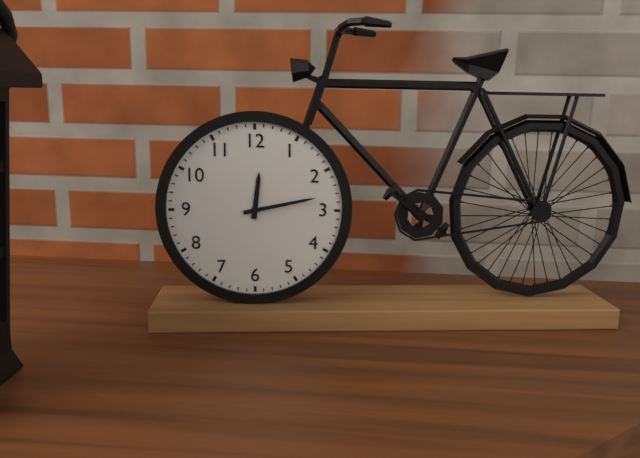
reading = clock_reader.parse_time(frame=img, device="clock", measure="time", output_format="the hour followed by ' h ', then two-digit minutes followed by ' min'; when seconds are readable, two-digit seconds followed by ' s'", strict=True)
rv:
12 h 13 min
